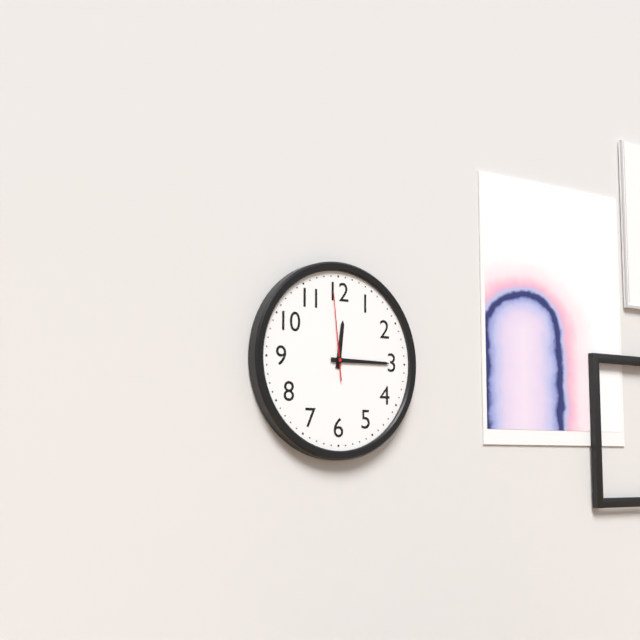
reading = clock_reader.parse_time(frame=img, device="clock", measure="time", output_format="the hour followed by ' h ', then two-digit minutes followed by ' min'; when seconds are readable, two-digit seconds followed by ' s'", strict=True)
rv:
12 h 15 min 59 s
